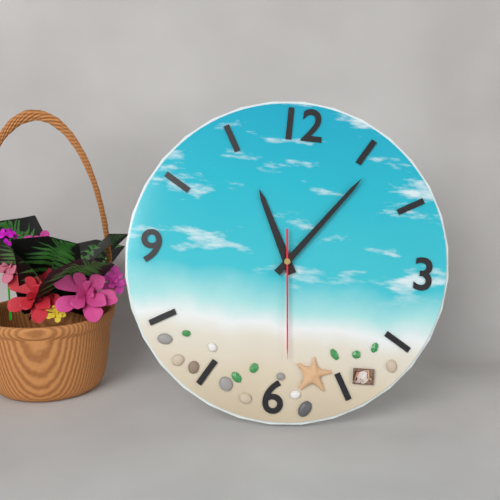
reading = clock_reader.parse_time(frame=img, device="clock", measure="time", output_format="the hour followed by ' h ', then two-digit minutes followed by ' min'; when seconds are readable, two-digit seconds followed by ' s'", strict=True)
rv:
11 h 06 min 29 s
